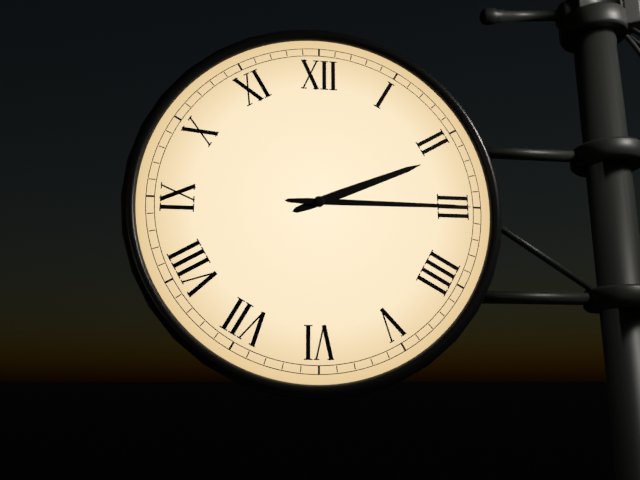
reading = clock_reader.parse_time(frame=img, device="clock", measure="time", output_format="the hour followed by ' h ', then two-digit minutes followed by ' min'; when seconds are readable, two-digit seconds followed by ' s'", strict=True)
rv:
2 h 15 min
